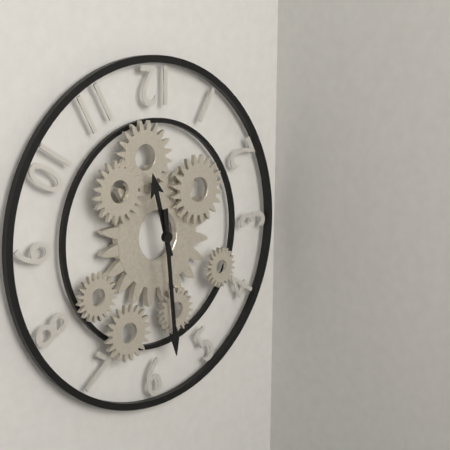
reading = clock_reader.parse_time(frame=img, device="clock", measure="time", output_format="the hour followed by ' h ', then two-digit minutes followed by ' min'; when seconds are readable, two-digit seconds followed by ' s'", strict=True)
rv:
11 h 29 min
